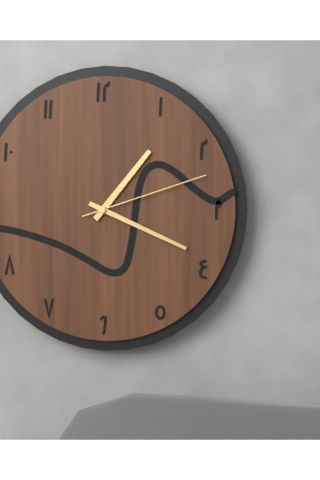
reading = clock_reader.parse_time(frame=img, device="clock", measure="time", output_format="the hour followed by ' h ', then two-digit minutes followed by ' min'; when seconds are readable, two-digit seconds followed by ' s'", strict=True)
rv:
1 h 19 min 12 s
